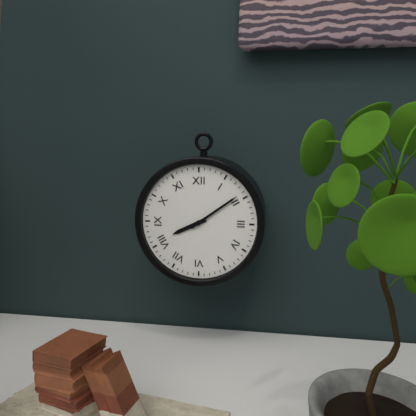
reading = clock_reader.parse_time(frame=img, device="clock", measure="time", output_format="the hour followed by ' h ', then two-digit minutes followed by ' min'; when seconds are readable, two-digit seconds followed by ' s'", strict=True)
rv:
8 h 09 min
